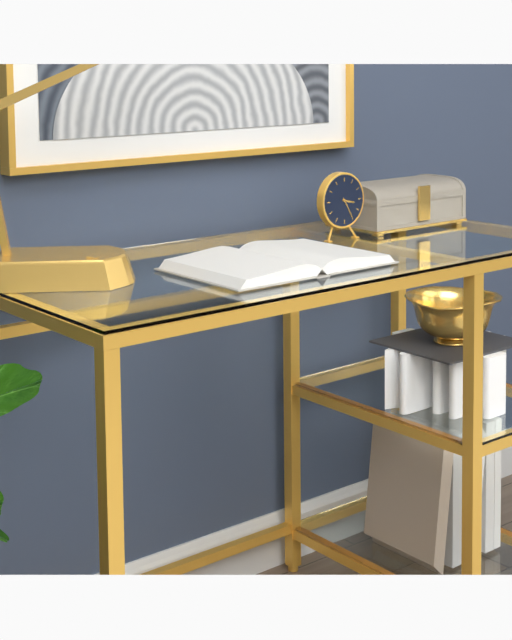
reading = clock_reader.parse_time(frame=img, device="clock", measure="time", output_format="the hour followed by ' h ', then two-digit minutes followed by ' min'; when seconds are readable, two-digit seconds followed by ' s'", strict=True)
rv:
3 h 25 min
